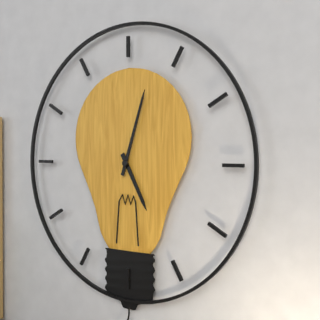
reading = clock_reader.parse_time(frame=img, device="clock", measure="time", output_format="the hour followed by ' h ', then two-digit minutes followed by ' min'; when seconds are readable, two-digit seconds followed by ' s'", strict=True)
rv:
5 h 03 min
